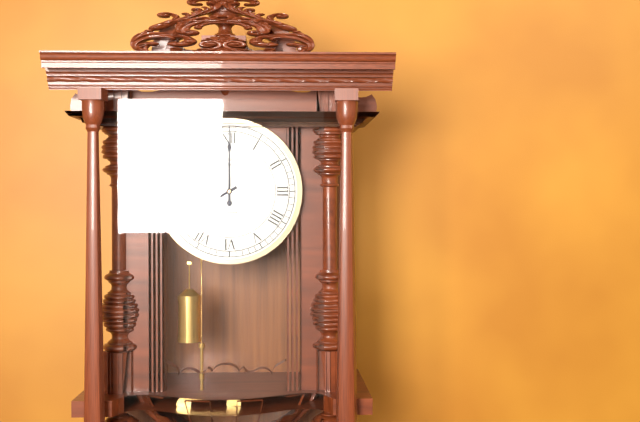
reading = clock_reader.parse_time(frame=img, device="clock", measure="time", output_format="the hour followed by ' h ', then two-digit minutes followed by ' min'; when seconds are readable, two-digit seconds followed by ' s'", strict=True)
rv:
8 h 00 min
